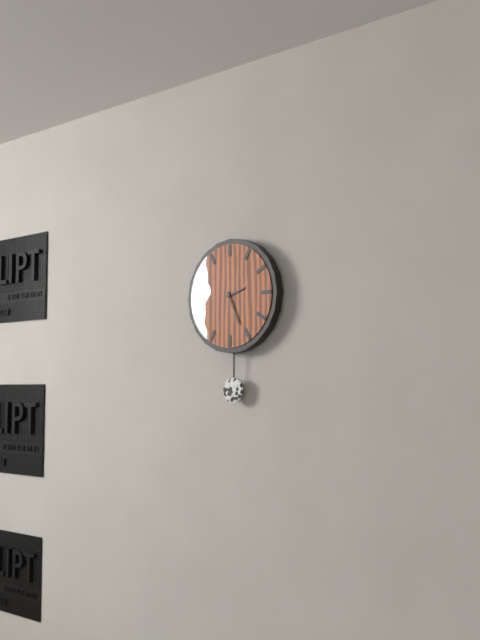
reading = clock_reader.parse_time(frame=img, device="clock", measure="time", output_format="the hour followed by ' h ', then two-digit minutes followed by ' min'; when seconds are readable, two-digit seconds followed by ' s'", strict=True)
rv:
2 h 26 min
